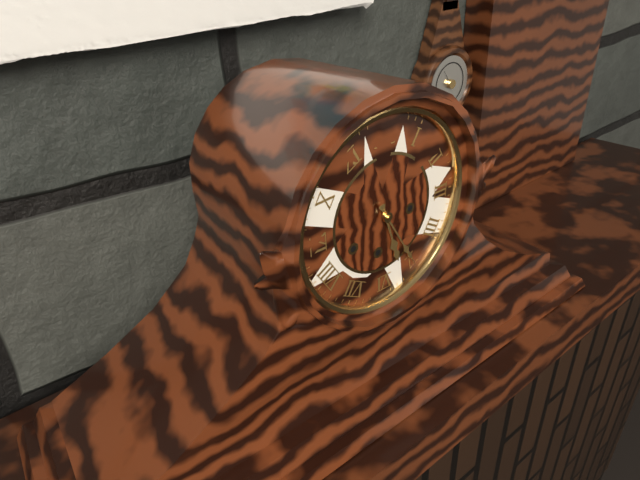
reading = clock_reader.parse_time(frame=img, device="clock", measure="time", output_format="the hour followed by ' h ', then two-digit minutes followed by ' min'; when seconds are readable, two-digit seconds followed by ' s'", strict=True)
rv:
5 h 25 min
